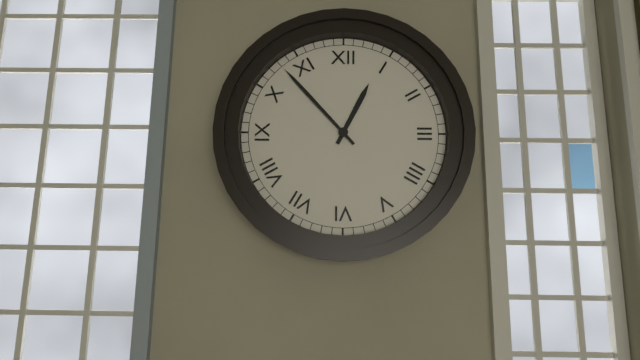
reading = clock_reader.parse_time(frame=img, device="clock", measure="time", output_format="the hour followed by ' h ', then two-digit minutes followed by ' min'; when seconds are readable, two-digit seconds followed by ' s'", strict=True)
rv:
12 h 53 min
